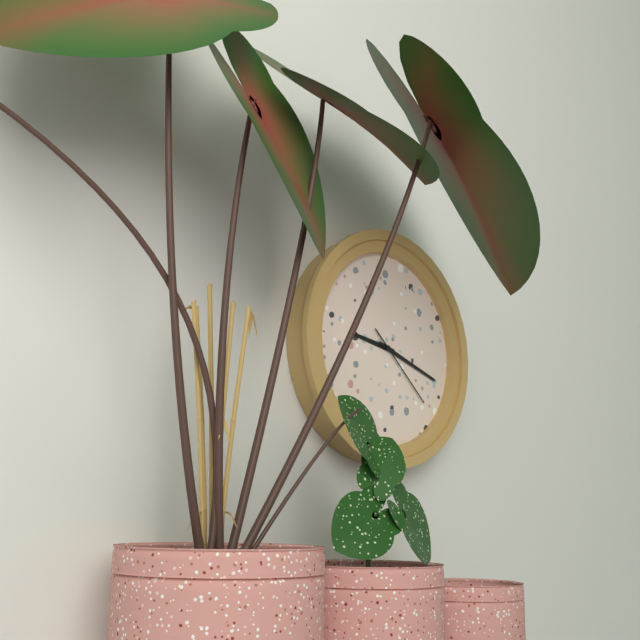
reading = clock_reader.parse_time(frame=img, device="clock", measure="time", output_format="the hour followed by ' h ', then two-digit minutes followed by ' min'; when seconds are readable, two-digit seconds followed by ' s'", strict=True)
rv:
9 h 18 min 22 s
